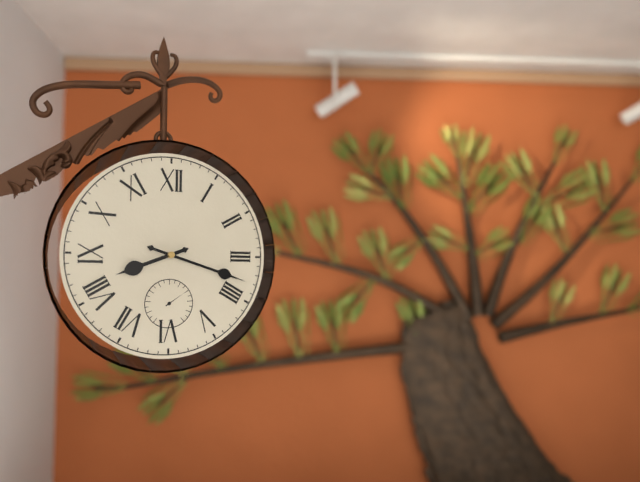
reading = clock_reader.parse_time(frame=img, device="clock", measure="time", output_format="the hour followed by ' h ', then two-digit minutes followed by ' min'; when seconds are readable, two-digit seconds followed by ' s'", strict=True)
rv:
8 h 18 min
